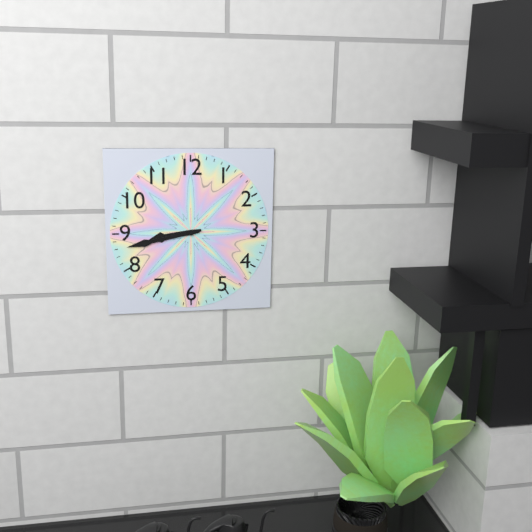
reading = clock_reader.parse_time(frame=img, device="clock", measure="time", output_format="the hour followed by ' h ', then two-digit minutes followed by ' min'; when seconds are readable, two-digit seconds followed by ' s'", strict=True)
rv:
8 h 43 min
